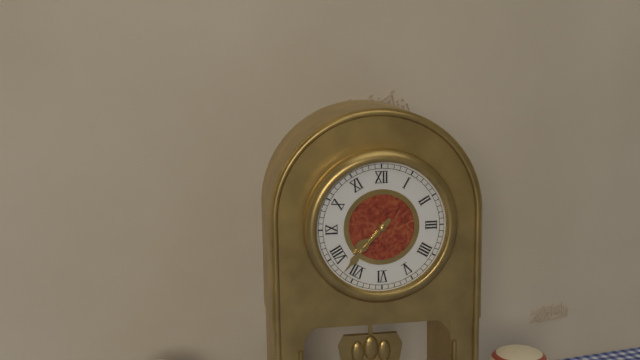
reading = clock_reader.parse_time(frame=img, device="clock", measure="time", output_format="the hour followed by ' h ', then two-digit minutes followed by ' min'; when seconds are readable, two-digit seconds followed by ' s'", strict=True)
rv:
7 h 37 min
